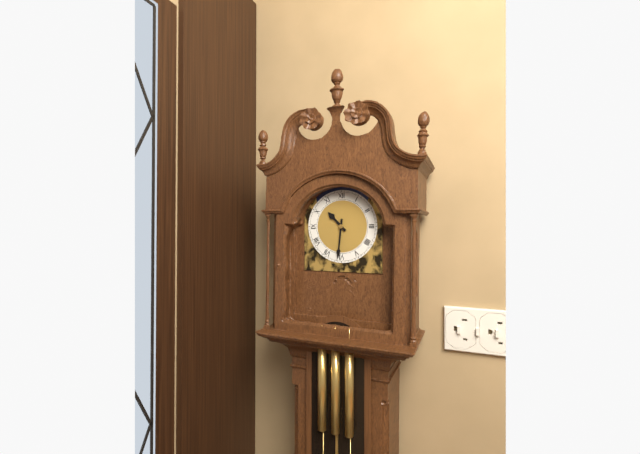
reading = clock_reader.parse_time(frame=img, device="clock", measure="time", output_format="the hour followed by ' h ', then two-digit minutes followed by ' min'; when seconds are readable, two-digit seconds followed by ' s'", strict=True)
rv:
10 h 31 min
